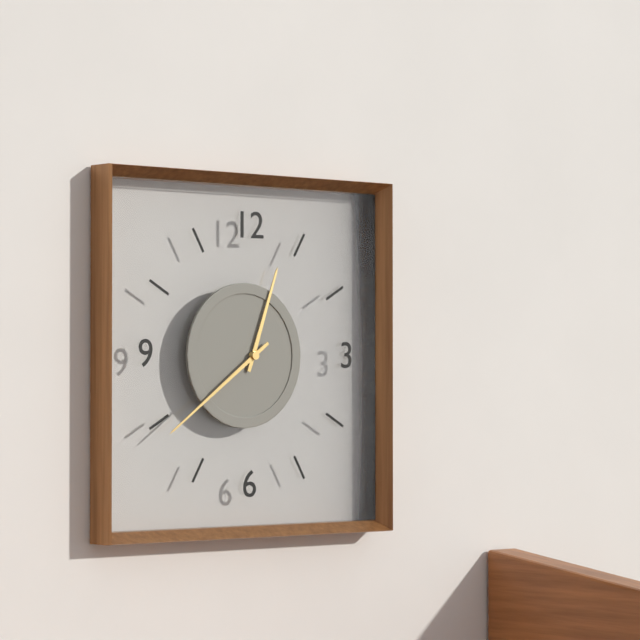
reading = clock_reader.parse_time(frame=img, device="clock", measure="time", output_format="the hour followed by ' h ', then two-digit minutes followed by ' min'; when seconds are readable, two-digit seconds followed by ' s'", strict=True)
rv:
12 h 39 min
